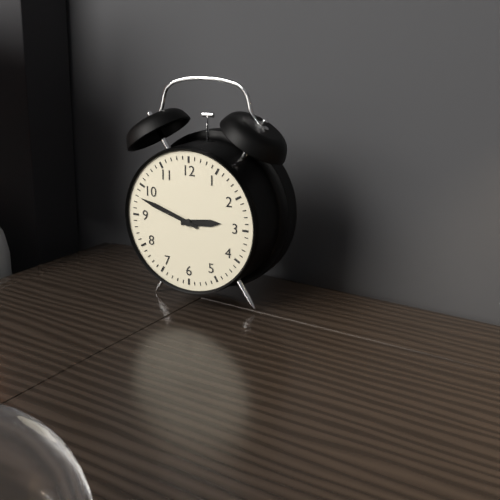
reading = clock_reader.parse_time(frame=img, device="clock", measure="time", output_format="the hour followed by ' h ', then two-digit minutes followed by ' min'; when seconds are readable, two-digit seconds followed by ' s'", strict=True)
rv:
2 h 48 min
